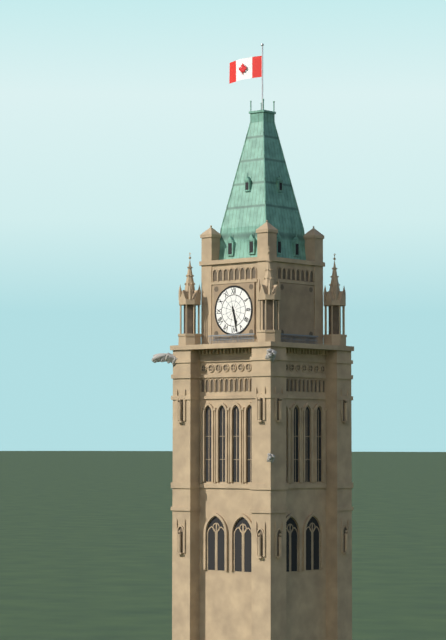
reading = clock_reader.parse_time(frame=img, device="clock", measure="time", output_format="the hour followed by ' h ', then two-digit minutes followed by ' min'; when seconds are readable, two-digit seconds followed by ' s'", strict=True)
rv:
5 h 28 min
